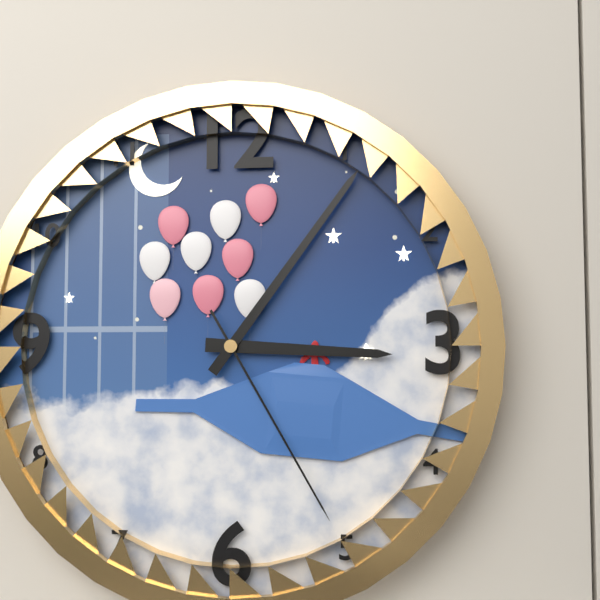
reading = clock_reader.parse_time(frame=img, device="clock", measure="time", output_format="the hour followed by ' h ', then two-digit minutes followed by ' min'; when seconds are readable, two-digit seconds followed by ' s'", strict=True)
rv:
3 h 06 min 25 s
